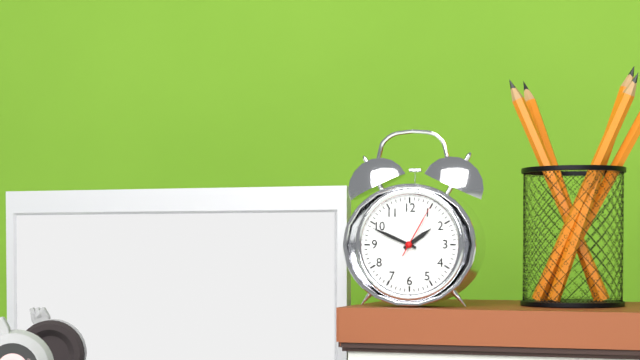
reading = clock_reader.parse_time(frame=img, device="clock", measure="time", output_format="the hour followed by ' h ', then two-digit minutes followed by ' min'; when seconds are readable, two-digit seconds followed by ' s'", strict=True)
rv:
1 h 49 min 05 s
